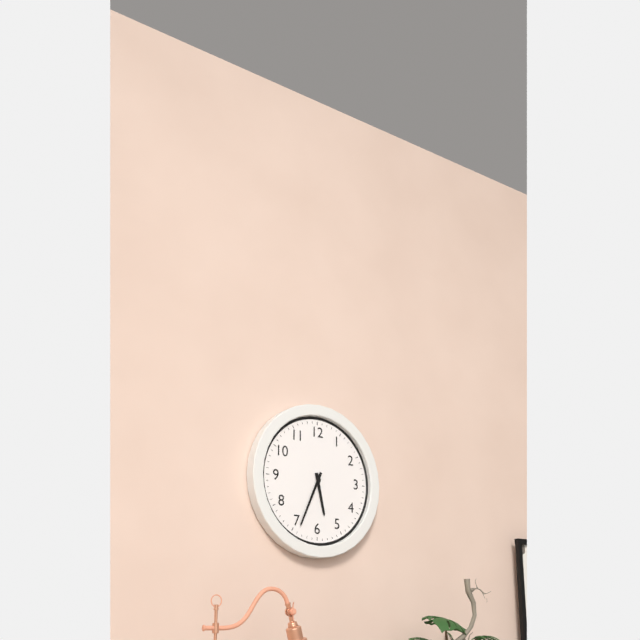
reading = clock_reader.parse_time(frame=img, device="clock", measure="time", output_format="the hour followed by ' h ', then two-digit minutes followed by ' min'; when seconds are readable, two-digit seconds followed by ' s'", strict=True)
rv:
5 h 34 min
